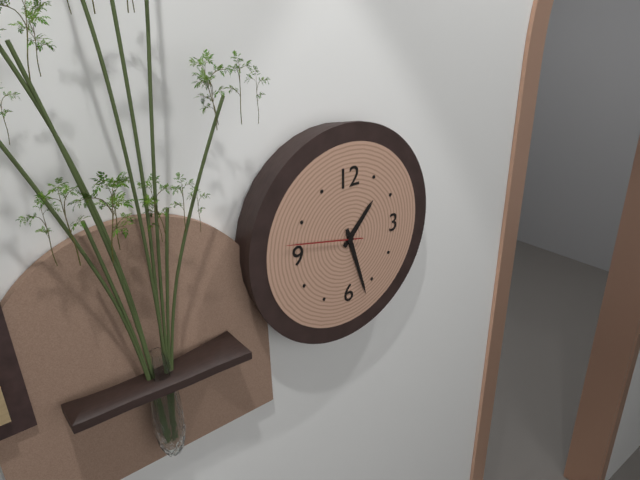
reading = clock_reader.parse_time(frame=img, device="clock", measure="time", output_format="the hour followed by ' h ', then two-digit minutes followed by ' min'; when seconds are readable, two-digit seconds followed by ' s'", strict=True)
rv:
1 h 27 min 47 s
